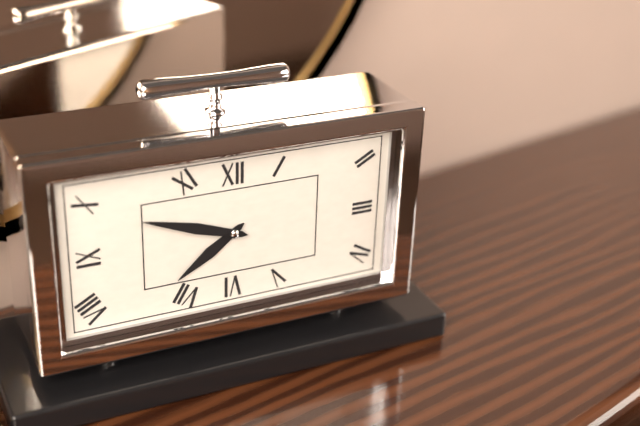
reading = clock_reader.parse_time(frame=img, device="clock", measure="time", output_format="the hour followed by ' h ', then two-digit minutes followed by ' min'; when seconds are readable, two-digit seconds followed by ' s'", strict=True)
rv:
7 h 48 min
